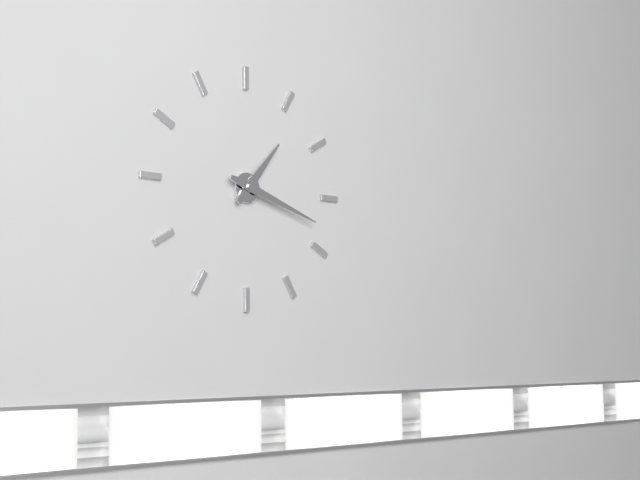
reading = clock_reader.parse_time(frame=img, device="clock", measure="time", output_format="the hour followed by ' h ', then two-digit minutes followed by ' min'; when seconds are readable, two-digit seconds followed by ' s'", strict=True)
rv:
1 h 18 min
